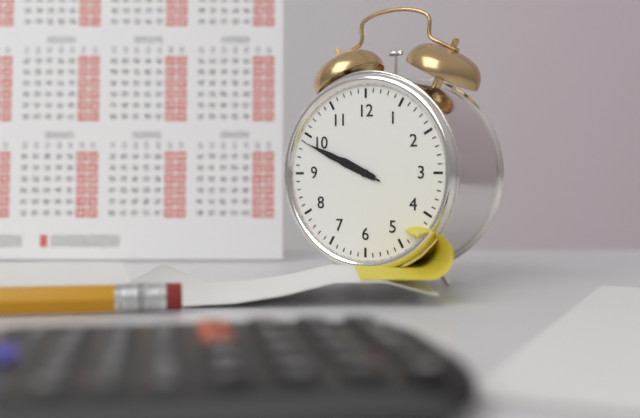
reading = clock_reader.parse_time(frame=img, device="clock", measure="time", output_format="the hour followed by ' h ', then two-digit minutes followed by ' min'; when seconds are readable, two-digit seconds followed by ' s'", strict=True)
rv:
9 h 49 min 49 s
